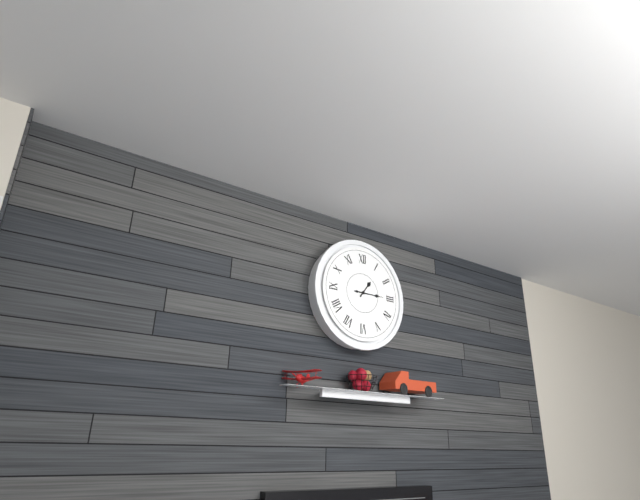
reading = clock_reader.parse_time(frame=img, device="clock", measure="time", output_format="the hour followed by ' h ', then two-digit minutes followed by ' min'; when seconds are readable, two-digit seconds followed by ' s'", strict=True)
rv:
1 h 15 min
